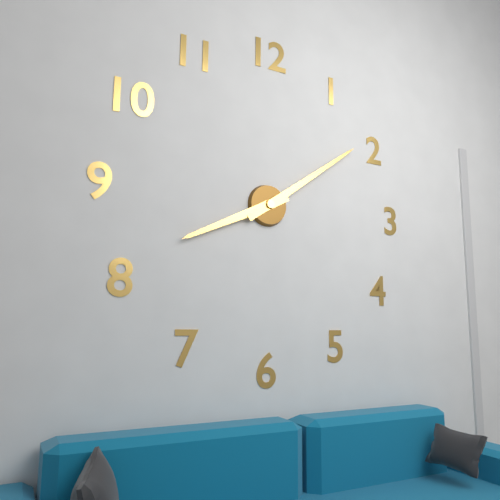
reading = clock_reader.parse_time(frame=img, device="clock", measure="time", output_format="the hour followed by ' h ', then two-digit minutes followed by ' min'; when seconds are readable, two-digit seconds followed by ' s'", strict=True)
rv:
8 h 09 min
